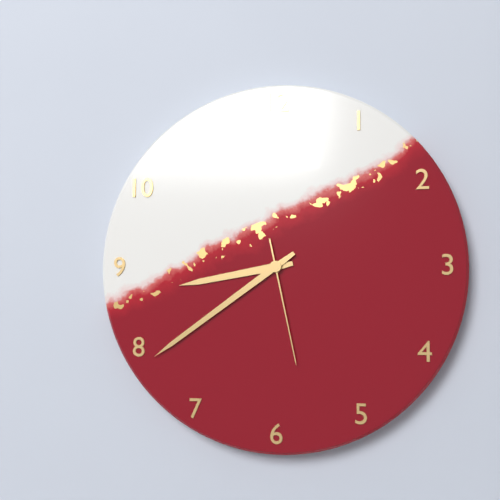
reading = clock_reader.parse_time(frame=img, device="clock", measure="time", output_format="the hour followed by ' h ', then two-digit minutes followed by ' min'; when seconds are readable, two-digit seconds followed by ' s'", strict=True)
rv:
8 h 39 min 28 s
